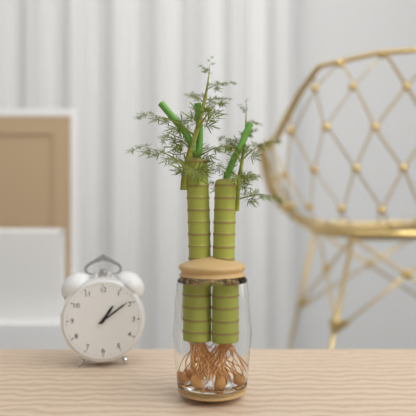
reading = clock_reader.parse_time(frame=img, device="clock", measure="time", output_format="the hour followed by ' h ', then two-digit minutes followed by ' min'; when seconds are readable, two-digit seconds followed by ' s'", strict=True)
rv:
1 h 09 min
